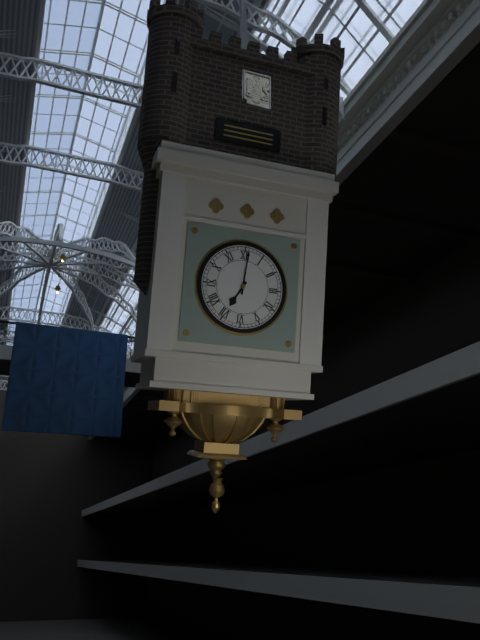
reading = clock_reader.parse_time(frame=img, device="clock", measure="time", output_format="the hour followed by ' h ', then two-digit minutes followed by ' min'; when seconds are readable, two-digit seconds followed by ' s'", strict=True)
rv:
7 h 01 min
